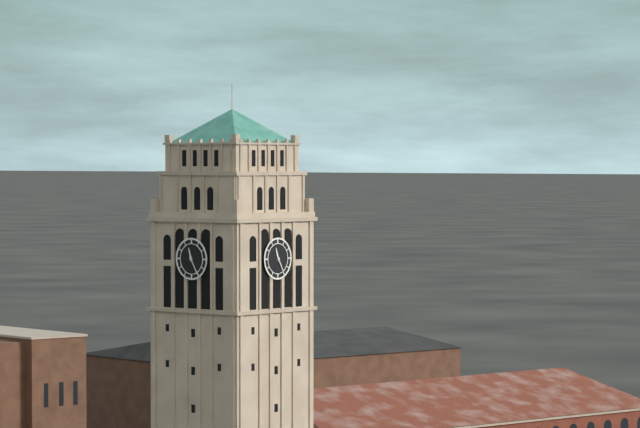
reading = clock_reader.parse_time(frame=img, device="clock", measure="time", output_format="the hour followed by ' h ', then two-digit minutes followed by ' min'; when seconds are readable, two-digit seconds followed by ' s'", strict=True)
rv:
11 h 25 min
